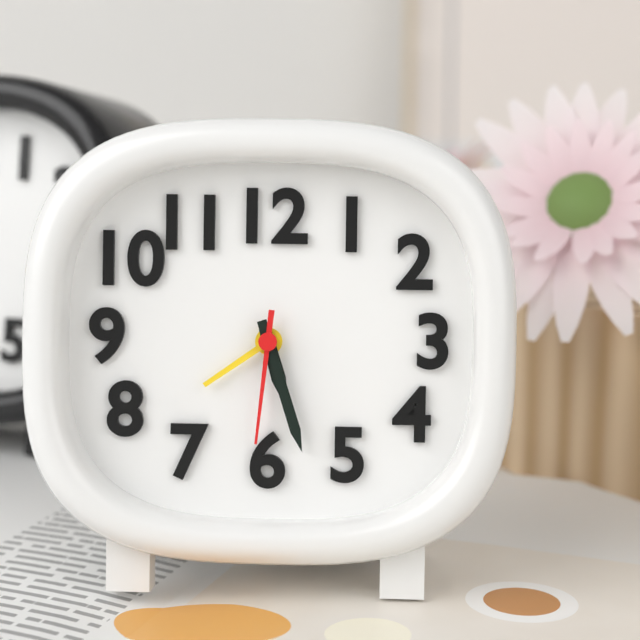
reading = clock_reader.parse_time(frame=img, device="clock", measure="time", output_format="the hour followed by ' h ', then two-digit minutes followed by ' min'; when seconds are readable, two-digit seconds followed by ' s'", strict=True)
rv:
5 h 27 min 31 s
